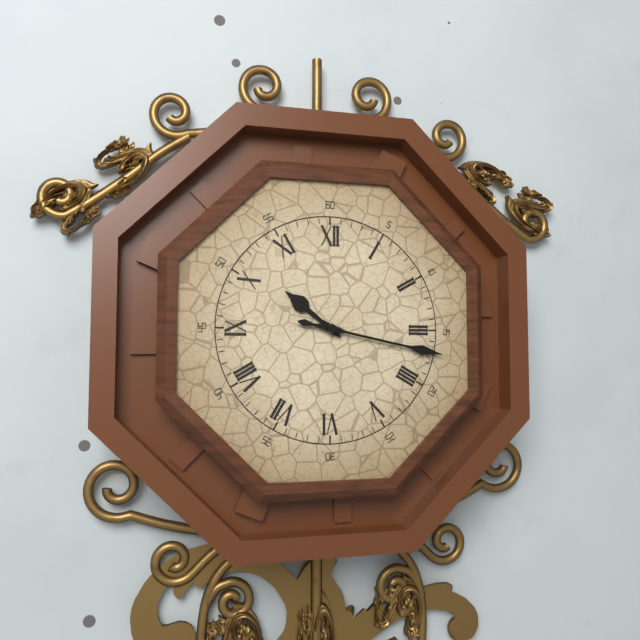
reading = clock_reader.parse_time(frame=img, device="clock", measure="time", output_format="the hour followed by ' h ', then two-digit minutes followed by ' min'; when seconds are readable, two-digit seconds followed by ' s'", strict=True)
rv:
10 h 17 min
